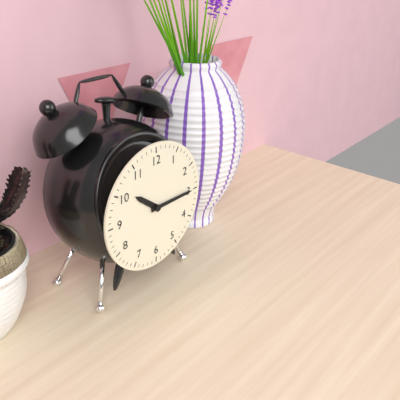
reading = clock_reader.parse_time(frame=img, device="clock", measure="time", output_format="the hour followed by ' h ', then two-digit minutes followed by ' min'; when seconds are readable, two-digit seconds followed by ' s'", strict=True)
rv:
10 h 15 min
